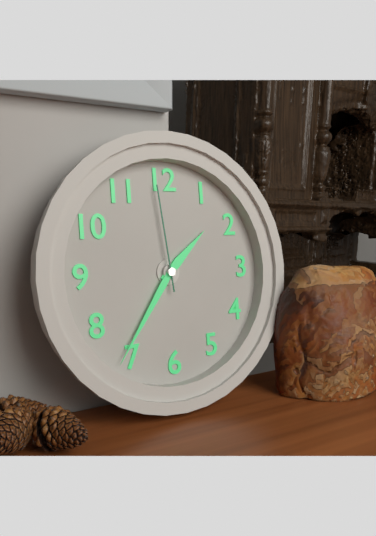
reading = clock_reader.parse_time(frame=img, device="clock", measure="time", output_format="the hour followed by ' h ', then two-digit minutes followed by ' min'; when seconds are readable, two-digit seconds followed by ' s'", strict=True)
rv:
1 h 36 min 59 s
